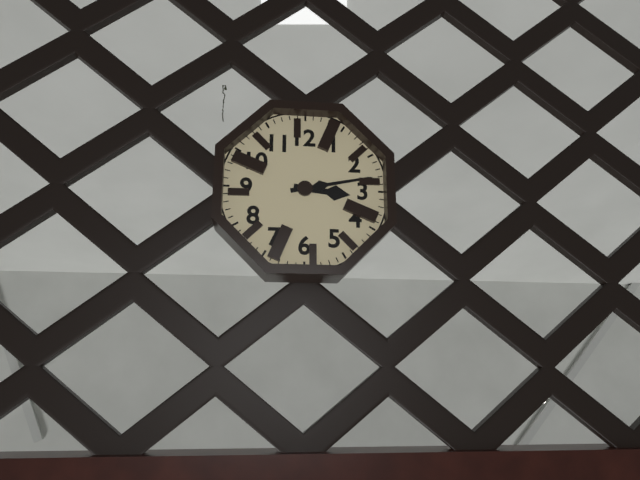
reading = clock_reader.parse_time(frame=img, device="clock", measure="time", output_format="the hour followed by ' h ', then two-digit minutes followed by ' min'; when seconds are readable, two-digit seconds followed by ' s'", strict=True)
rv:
3 h 13 min
